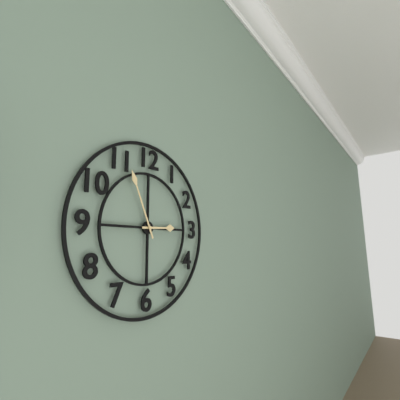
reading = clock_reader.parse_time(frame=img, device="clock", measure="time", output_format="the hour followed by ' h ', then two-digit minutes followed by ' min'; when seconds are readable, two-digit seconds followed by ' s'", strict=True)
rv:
2 h 56 min
